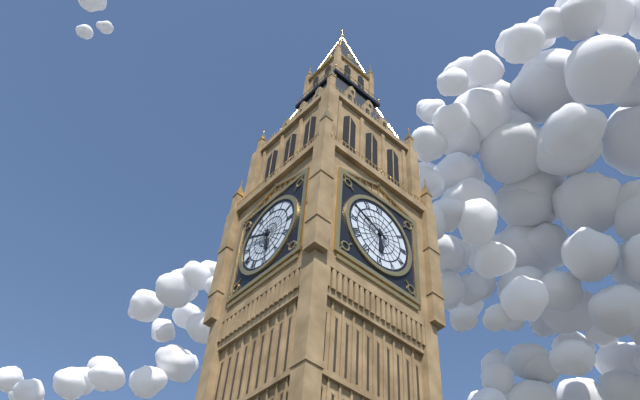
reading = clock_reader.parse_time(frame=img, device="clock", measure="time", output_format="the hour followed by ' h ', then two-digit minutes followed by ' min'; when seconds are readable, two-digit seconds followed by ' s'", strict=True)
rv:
5 h 49 min
